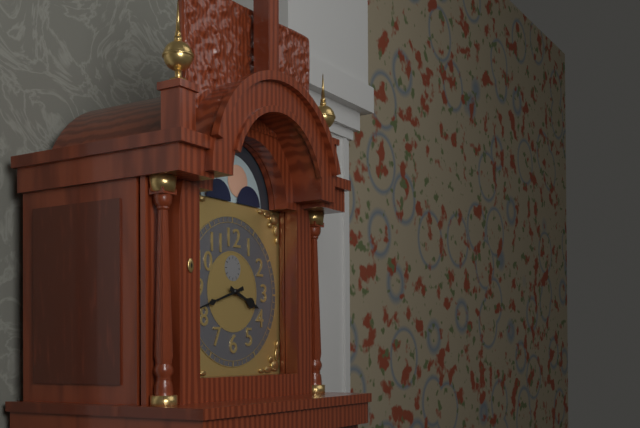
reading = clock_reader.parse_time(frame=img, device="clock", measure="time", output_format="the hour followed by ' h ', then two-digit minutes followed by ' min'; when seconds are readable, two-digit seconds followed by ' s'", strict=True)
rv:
3 h 42 min
